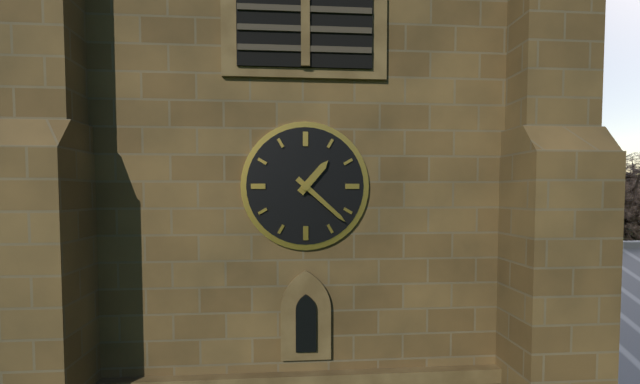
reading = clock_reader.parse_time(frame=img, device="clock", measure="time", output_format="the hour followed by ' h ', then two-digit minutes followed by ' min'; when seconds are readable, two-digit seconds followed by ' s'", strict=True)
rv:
1 h 22 min
